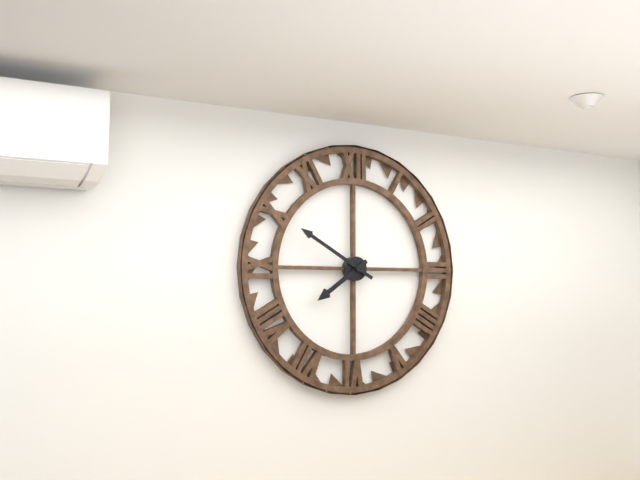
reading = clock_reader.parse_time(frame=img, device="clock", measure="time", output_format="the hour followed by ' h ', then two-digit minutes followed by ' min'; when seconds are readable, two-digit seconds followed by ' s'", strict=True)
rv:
7 h 50 min
